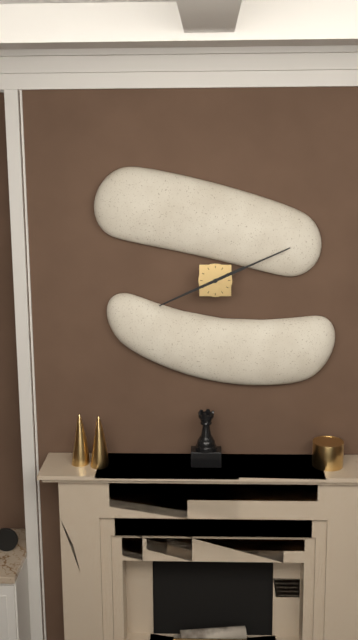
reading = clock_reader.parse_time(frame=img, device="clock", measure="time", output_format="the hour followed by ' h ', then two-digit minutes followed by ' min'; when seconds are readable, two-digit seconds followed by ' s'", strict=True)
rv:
8 h 11 min
